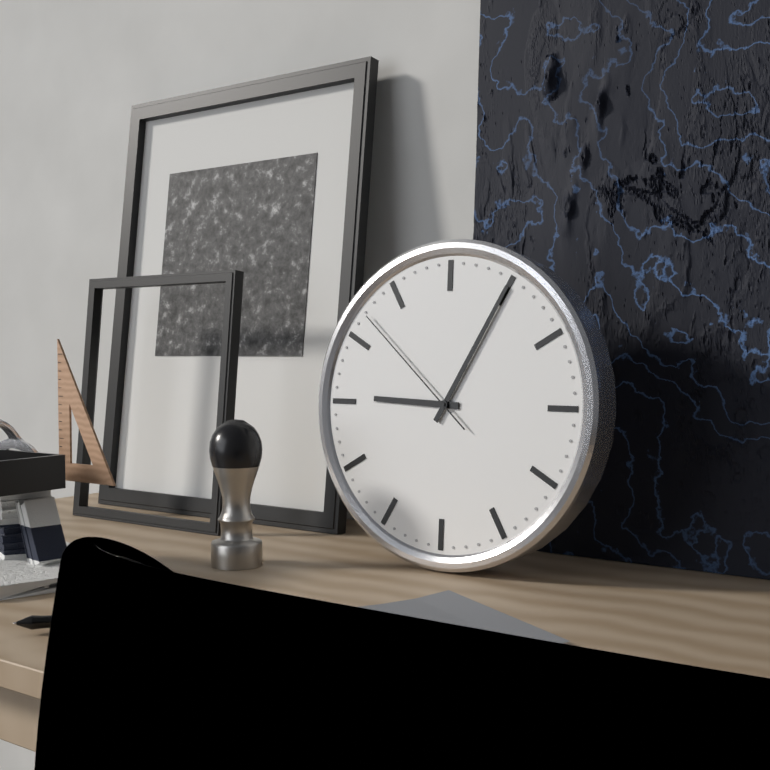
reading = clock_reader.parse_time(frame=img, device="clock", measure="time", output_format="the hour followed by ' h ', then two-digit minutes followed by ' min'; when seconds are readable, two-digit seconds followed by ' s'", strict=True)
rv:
9 h 05 min 52 s
